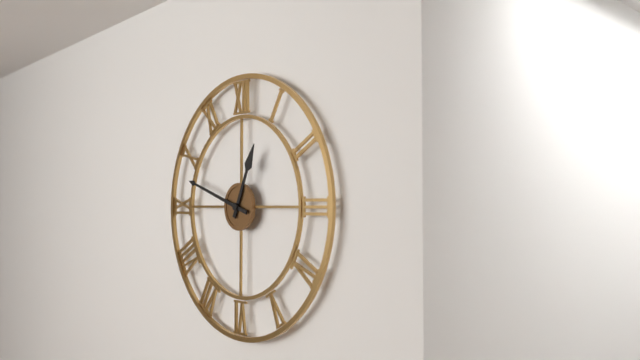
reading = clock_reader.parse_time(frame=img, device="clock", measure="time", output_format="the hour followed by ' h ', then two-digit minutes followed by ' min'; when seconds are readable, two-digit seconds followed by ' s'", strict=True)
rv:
12 h 48 min
